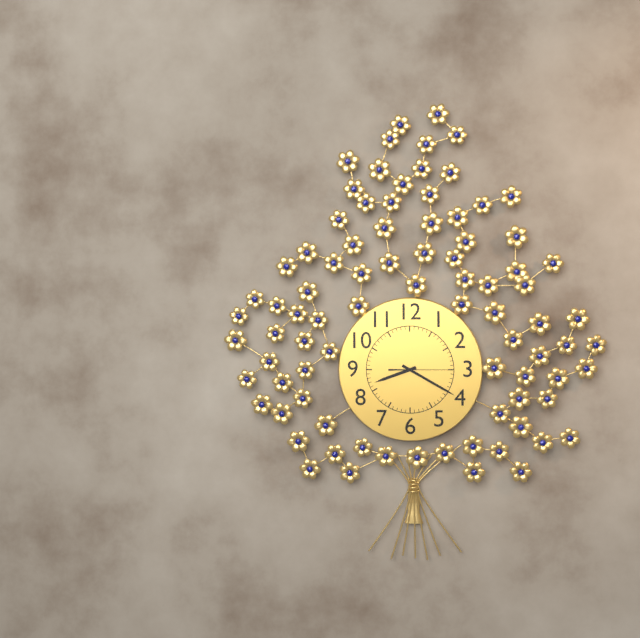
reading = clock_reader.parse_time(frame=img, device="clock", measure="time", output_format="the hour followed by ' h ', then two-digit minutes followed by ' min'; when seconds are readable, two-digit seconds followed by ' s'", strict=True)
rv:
8 h 20 min 15 s
